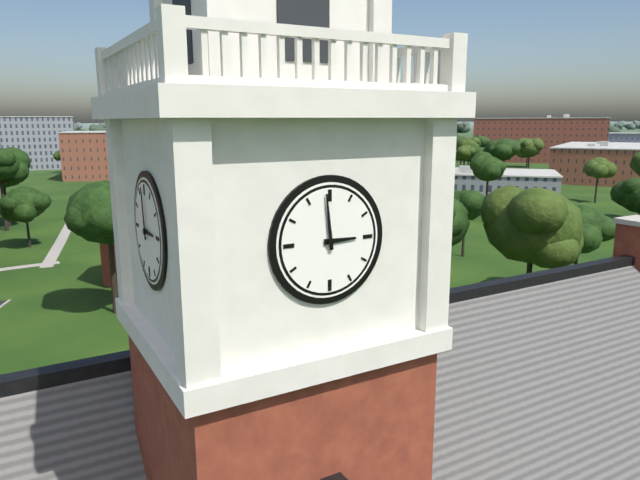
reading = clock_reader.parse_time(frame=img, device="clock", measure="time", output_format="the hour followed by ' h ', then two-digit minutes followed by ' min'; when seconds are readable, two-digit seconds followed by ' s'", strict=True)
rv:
2 h 59 min
